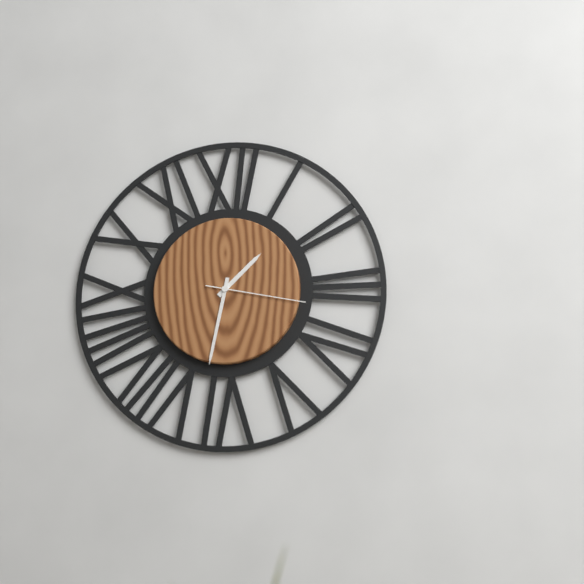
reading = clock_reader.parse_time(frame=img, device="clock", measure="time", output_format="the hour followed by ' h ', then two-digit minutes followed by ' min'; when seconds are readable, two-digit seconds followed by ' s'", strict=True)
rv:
1 h 32 min 17 s
